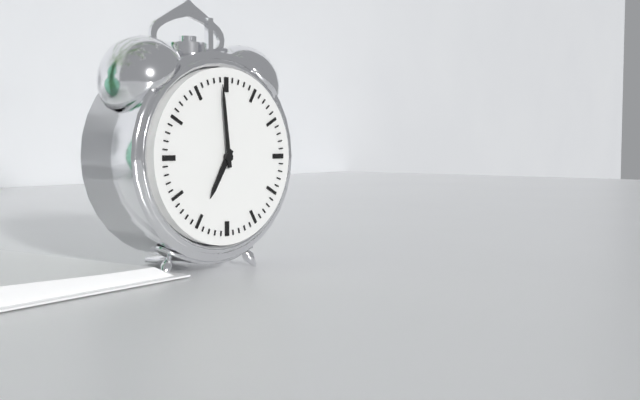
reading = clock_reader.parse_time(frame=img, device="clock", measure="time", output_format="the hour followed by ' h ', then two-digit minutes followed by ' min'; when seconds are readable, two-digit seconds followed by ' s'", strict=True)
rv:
6 h 59 min
